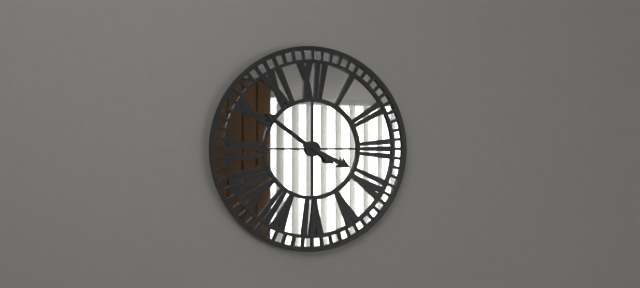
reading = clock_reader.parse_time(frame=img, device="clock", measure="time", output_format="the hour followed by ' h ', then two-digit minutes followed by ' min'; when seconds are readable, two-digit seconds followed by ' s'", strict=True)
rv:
3 h 51 min
